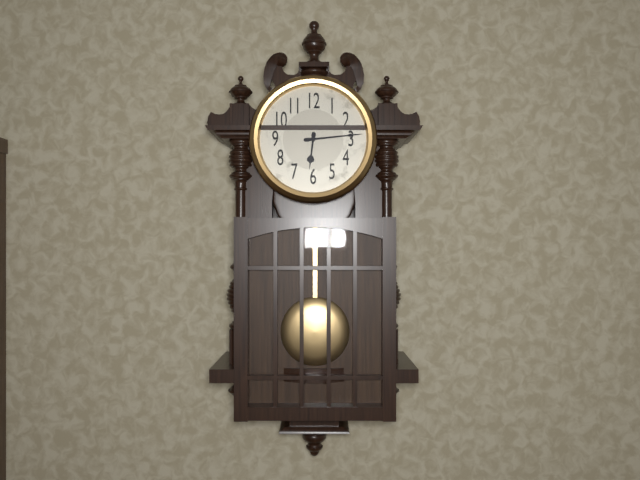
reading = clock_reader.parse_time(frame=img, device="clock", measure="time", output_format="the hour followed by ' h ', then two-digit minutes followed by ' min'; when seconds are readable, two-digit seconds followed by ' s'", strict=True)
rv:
6 h 14 min
